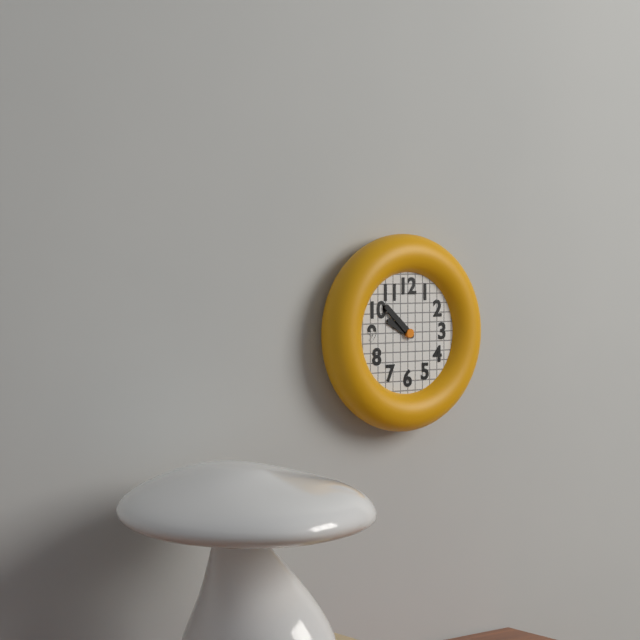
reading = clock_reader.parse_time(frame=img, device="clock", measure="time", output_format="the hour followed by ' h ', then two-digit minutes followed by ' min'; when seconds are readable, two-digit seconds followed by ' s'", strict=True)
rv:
9 h 52 min
